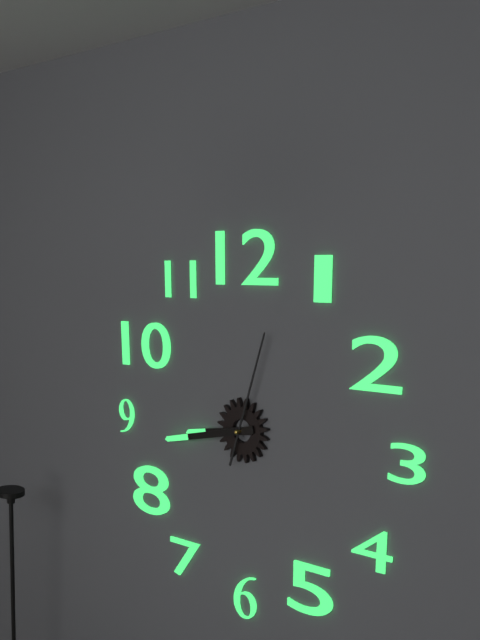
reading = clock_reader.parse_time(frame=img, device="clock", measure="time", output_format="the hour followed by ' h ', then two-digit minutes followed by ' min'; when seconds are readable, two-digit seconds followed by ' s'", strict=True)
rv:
8 h 43 min 03 s
